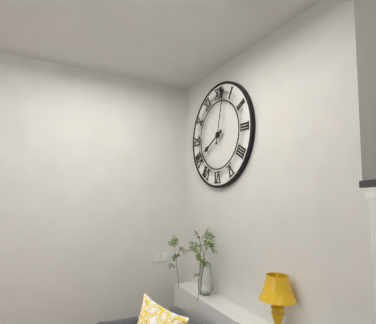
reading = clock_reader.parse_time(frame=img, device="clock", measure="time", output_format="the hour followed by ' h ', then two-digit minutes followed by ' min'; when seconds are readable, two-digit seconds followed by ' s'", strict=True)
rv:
8 h 02 min
